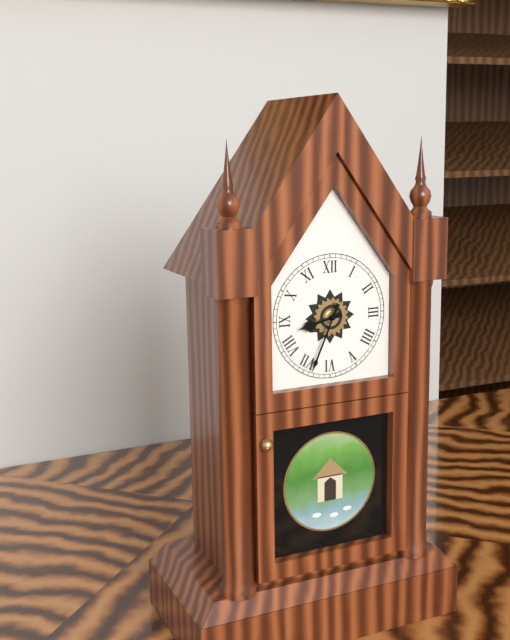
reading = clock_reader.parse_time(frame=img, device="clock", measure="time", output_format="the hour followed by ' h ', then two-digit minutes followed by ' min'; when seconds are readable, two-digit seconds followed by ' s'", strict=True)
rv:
8 h 34 min
